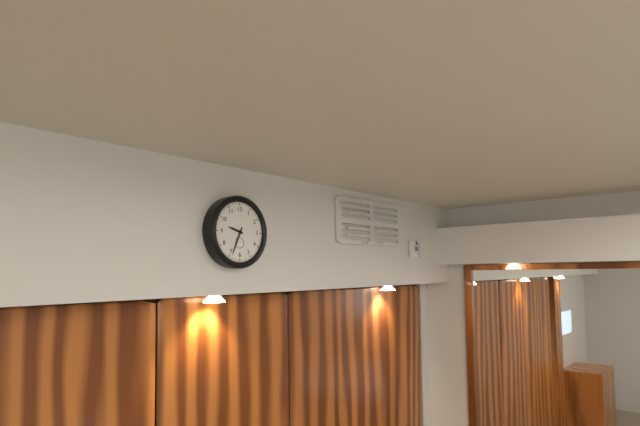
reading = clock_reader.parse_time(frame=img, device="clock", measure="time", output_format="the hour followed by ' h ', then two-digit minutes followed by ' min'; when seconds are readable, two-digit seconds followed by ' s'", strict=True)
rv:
9 h 34 min
